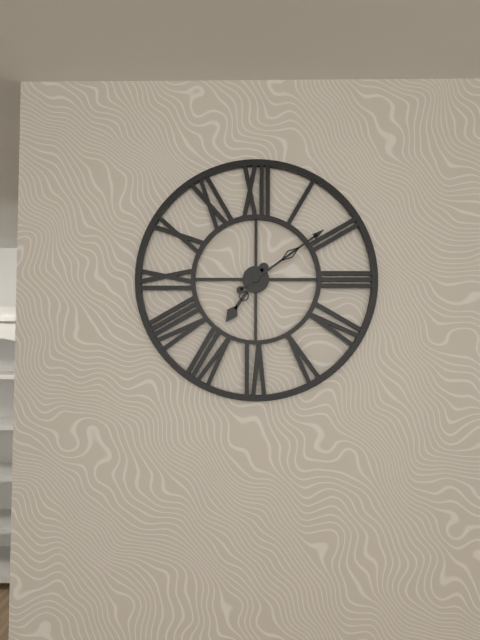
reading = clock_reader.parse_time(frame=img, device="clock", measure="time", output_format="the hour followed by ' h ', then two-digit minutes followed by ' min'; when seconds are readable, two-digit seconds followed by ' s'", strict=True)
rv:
7 h 09 min
